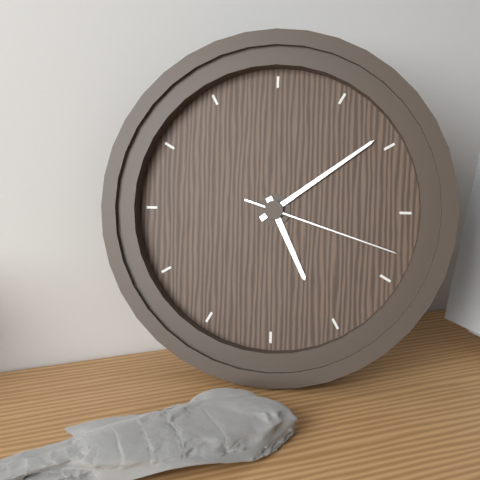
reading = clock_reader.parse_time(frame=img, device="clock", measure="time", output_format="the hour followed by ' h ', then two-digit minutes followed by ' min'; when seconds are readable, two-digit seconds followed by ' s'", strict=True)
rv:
5 h 09 min 18 s
